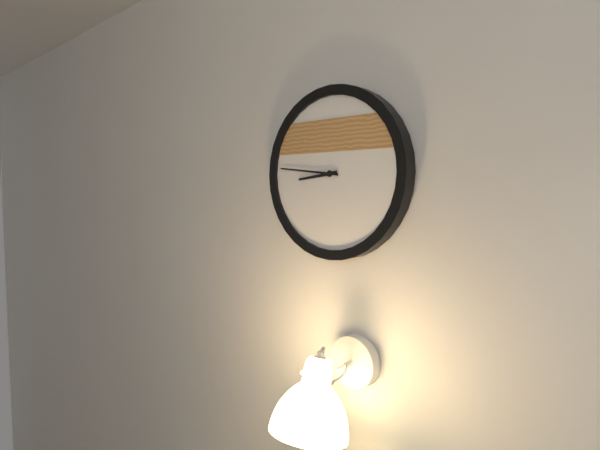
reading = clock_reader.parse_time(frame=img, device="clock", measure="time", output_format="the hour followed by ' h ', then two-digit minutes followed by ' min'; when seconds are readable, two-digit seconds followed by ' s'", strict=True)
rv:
8 h 46 min
